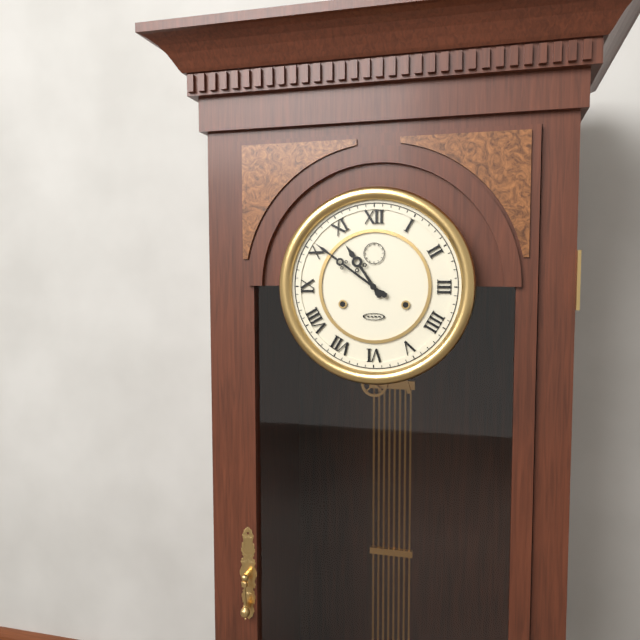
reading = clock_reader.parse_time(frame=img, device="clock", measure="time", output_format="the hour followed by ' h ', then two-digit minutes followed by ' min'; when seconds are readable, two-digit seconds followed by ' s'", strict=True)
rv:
10 h 51 min
